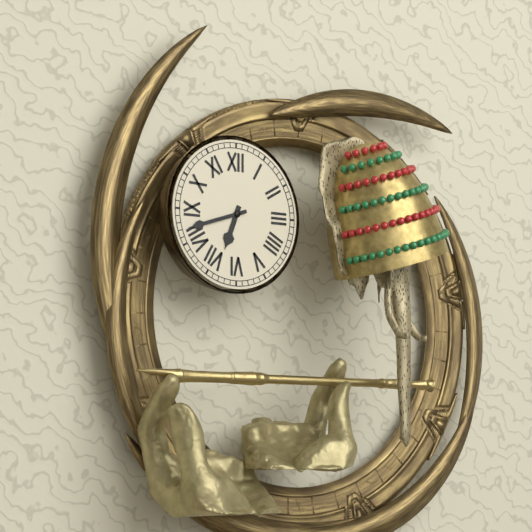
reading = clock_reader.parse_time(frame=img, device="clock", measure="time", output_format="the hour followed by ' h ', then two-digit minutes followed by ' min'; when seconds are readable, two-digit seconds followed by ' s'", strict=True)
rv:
6 h 42 min
